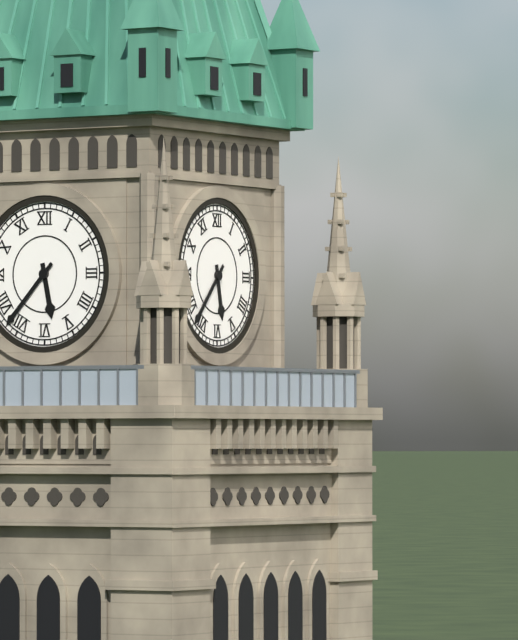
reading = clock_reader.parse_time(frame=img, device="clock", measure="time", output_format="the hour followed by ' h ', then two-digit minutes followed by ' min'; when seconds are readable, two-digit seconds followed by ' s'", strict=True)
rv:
5 h 37 min
